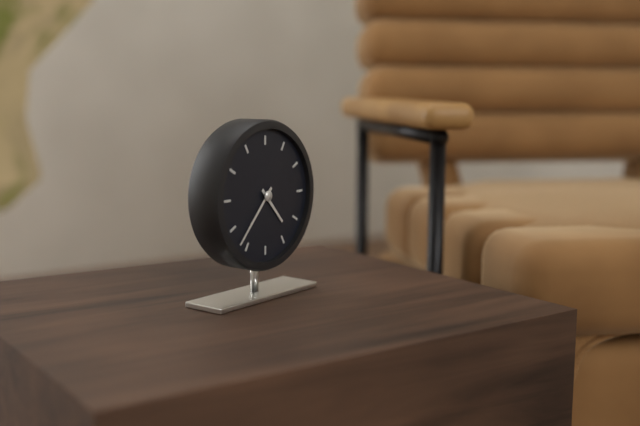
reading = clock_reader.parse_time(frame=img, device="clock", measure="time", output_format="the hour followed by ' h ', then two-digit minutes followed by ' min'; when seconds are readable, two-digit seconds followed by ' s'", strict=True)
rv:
4 h 37 min
